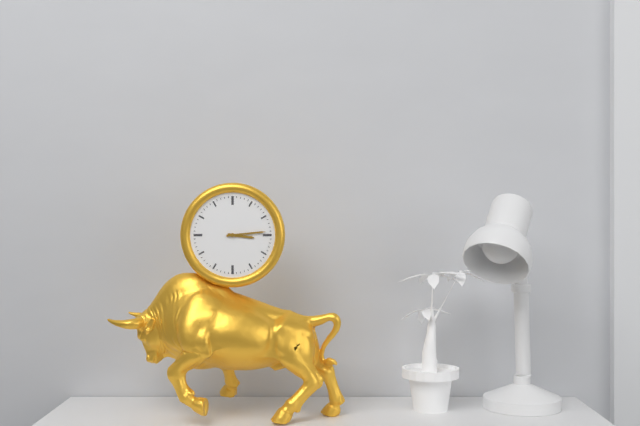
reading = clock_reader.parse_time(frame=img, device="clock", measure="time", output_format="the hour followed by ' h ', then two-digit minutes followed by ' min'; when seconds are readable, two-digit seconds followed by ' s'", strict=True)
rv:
3 h 14 min
